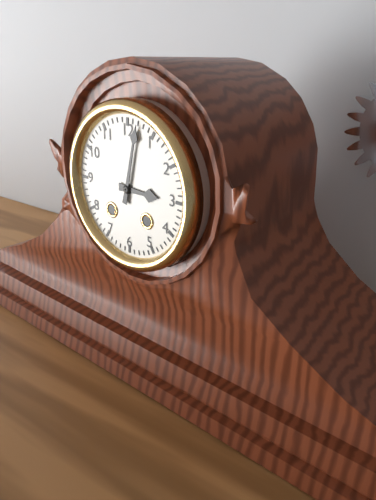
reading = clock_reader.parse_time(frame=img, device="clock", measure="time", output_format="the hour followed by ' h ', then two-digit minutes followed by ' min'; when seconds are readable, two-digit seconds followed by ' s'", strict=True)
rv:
3 h 02 min
